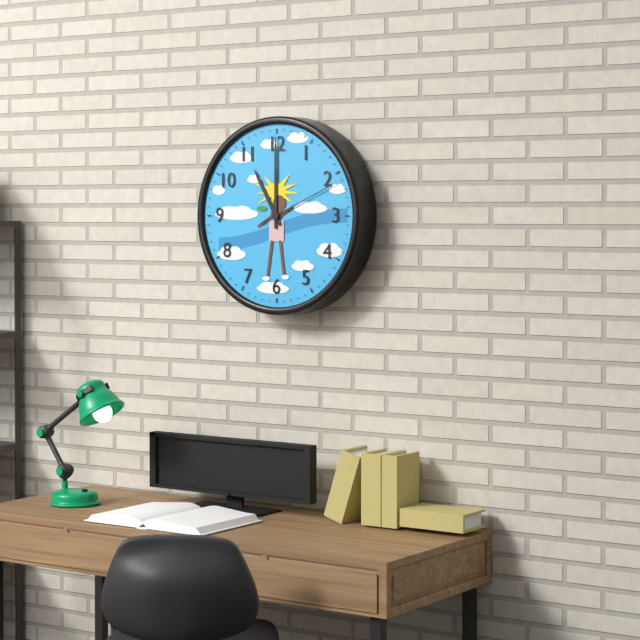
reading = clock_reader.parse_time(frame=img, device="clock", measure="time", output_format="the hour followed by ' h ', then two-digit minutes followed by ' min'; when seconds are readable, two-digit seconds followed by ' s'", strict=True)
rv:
11 h 00 min 11 s
